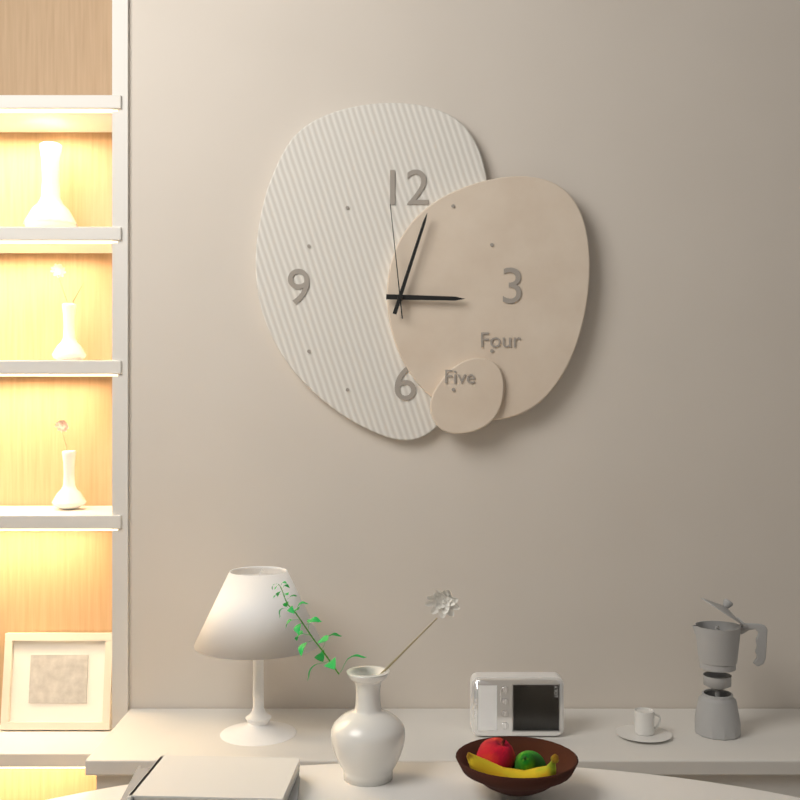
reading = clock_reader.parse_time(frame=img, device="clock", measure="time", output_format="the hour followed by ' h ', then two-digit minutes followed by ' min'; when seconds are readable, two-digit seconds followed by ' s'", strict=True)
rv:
3 h 03 min 59 s
